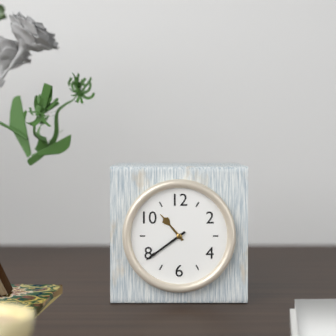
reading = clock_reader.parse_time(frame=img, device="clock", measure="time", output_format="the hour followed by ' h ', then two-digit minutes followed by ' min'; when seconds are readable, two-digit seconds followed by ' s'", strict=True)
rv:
10 h 39 min
